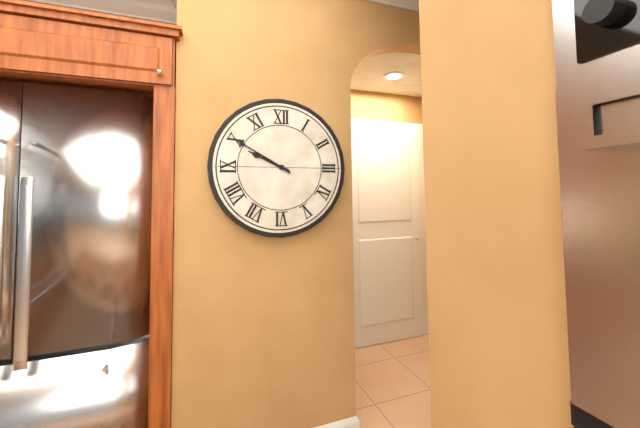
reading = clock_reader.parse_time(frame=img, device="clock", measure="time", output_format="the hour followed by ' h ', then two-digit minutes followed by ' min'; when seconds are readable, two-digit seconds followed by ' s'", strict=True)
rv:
9 h 50 min
